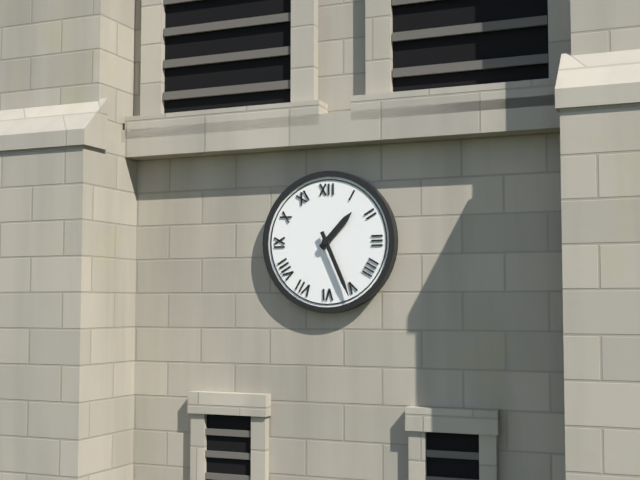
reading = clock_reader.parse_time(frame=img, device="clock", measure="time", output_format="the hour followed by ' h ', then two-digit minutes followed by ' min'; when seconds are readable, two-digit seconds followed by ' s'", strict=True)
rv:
1 h 26 min
